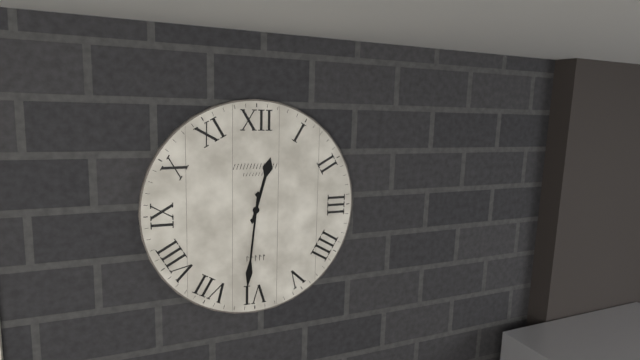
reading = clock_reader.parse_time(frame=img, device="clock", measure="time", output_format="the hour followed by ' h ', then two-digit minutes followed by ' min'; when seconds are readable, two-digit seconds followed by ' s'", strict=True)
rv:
12 h 31 min
